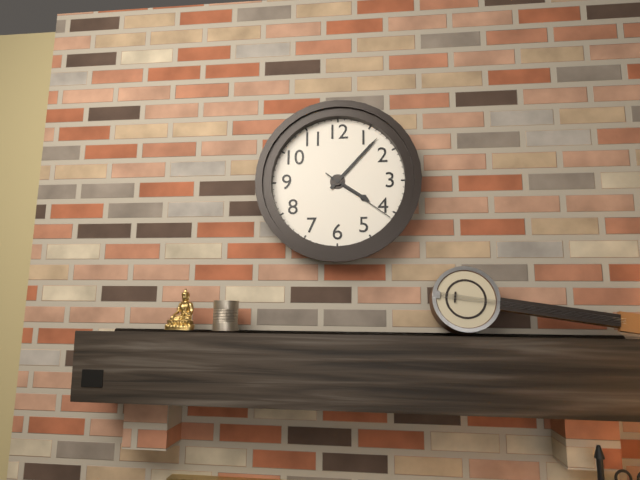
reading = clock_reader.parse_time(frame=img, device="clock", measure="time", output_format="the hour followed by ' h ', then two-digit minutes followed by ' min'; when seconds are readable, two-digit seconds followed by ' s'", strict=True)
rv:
4 h 07 min 21 s
